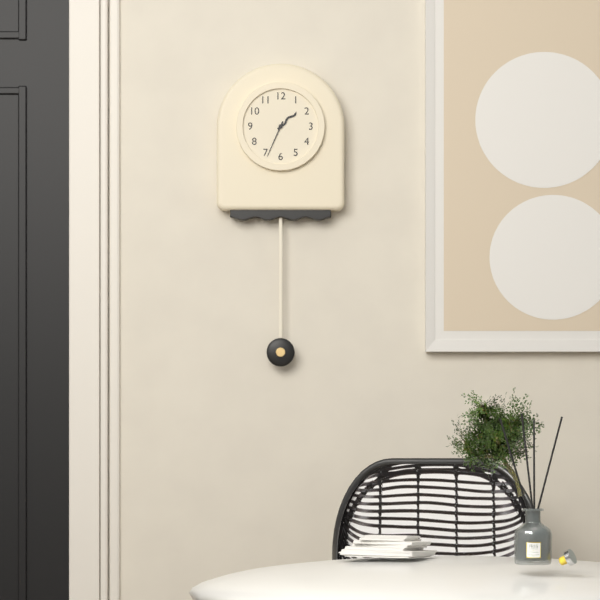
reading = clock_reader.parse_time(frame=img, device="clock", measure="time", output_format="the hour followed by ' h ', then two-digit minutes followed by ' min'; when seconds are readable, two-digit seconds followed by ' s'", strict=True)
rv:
1 h 34 min
